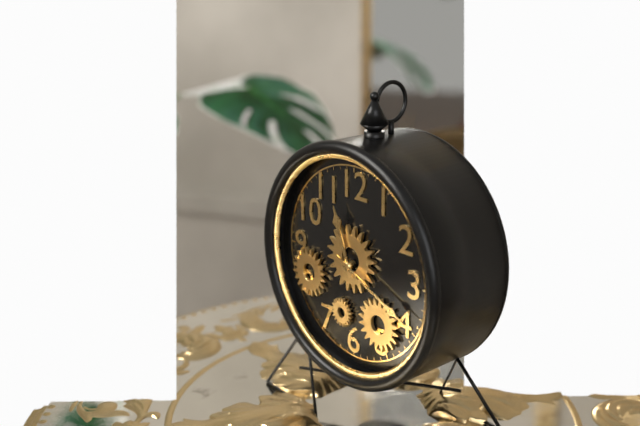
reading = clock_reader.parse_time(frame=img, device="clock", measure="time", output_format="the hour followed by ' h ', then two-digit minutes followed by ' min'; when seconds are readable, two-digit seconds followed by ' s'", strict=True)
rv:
11 h 19 min
